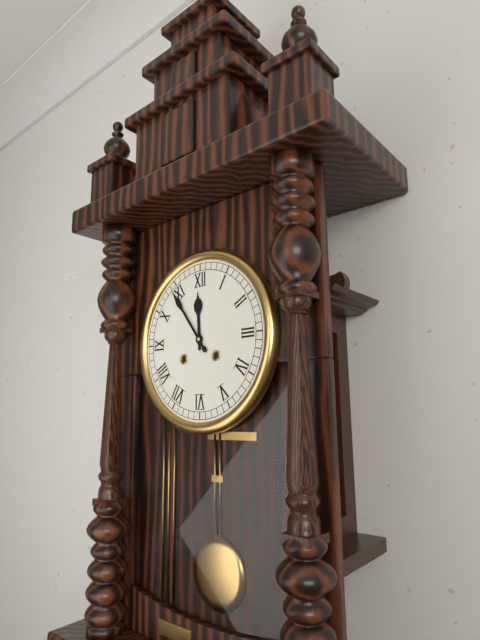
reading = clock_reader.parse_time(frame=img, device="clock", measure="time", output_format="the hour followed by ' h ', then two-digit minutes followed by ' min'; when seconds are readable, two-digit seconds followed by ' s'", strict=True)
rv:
11 h 54 min
